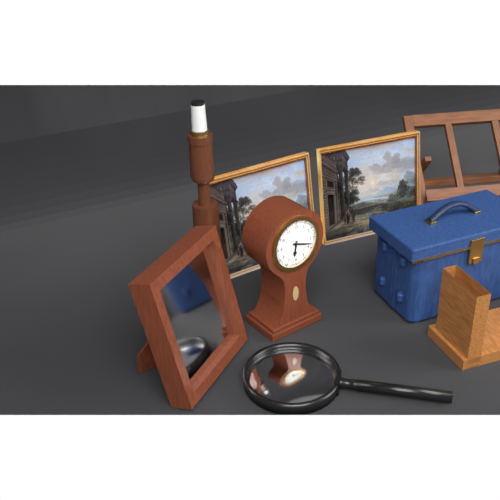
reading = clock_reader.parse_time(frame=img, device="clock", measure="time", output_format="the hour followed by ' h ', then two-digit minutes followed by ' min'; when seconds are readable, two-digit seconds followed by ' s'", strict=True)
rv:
6 h 18 min
